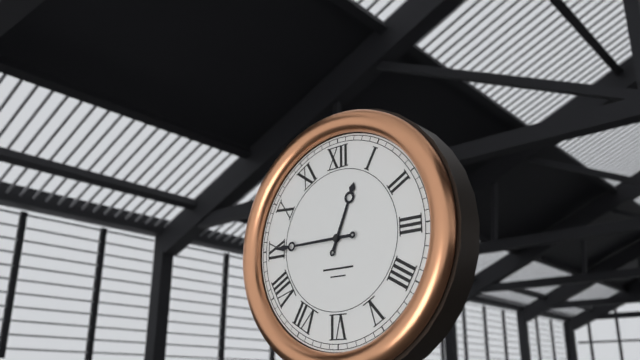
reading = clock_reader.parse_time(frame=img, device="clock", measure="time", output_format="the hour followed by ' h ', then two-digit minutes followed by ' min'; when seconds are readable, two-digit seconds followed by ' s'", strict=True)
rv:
12 h 45 min
